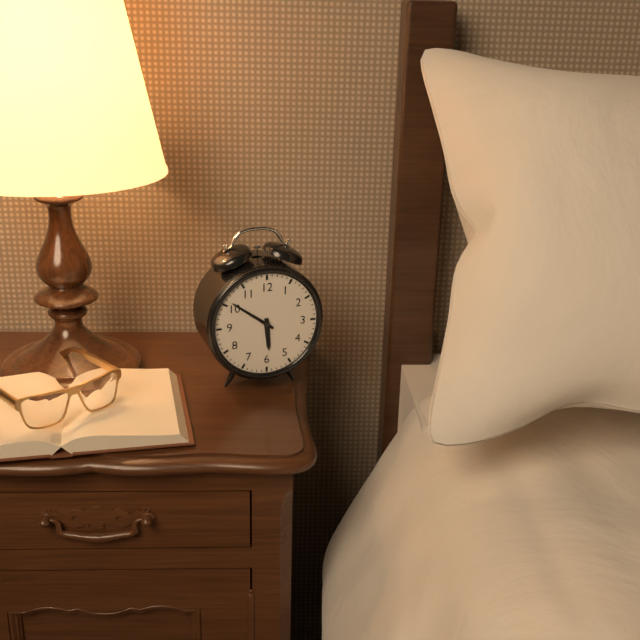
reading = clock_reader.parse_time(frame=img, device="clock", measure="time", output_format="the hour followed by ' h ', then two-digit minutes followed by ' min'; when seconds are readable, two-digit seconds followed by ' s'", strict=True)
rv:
5 h 51 min
